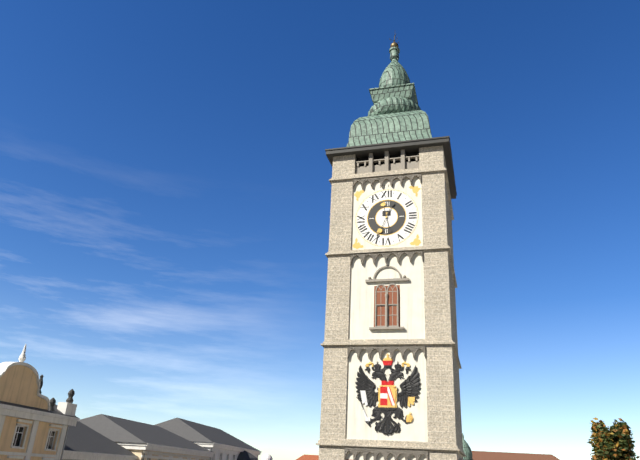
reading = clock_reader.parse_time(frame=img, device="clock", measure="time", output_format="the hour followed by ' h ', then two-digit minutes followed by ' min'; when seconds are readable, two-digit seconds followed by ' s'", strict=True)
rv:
11 h 34 min
